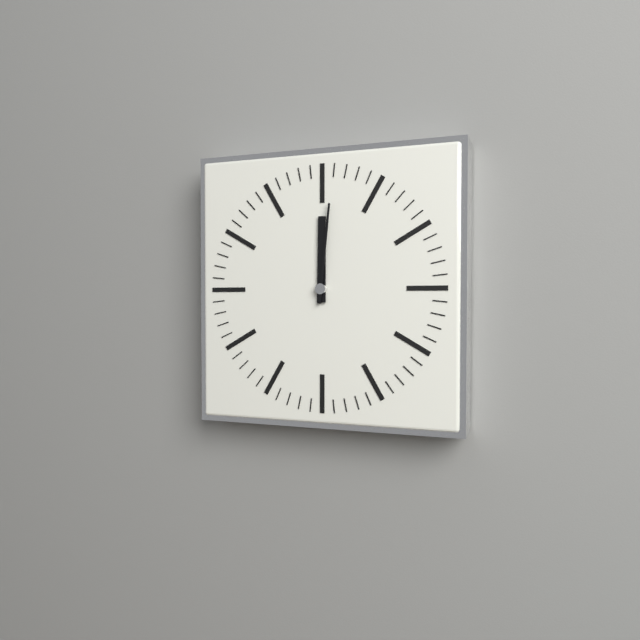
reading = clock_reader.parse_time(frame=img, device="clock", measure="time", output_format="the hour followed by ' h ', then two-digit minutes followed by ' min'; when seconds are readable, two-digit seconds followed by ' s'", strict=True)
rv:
12 h 01 min
